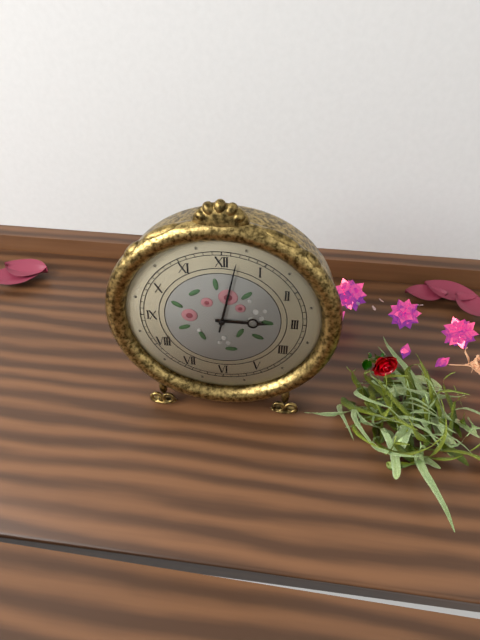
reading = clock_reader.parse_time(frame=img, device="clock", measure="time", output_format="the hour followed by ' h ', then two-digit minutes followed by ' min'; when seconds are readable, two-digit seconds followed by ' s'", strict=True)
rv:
3 h 02 min
